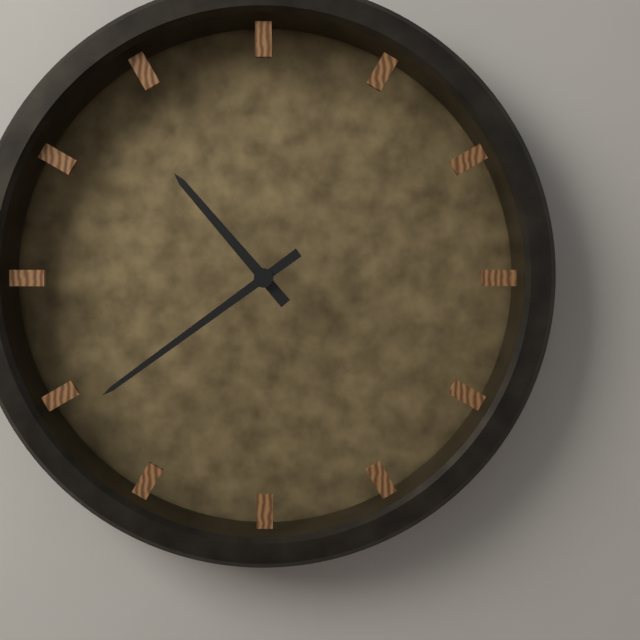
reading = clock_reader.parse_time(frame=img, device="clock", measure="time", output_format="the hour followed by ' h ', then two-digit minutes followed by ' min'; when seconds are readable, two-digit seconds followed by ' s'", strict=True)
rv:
10 h 39 min
